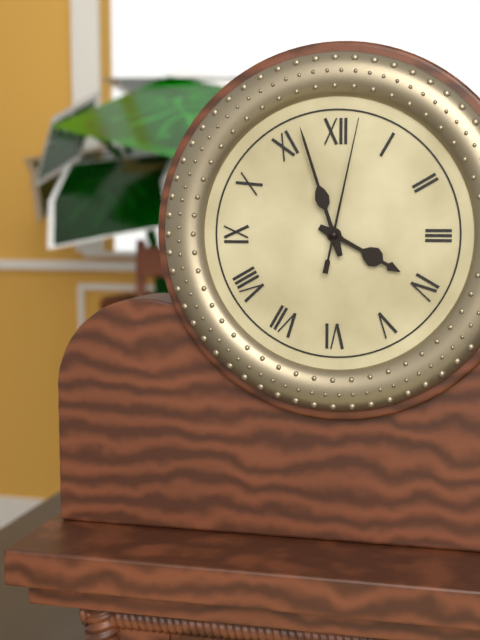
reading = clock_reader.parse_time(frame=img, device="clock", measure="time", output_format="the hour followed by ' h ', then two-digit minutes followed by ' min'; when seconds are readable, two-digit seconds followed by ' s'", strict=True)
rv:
3 h 57 min 02 s
